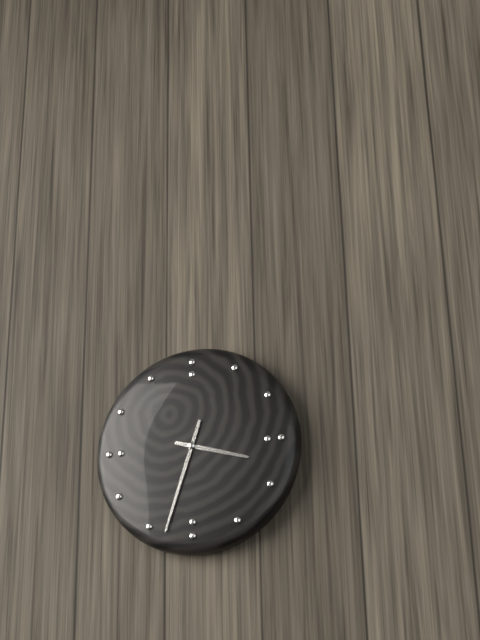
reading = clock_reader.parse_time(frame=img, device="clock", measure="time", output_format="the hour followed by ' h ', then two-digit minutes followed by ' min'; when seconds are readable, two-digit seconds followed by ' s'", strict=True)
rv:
3 h 33 min
